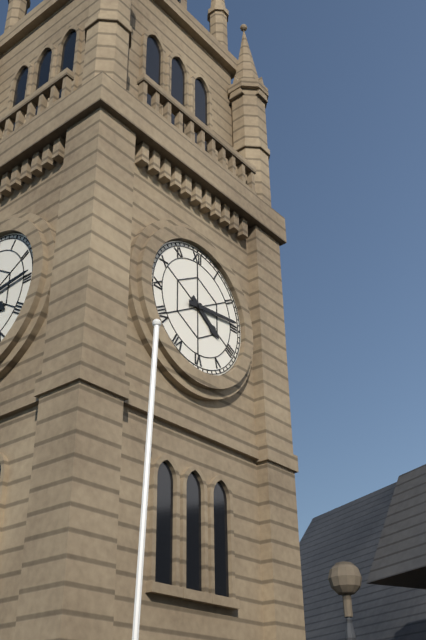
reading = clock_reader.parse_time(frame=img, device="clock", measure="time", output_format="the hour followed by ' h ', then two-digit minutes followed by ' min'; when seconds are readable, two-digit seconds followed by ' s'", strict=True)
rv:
4 h 14 min
